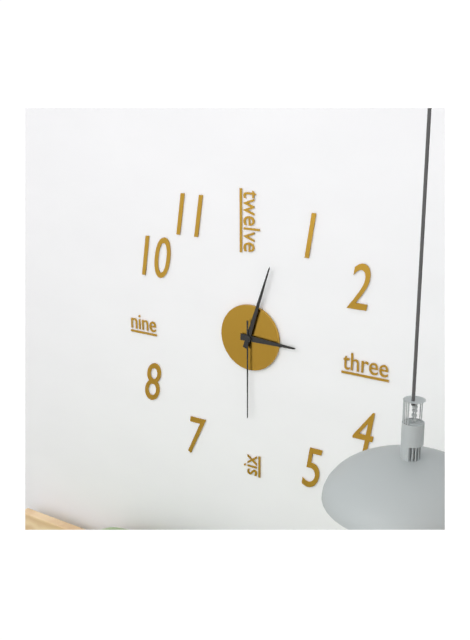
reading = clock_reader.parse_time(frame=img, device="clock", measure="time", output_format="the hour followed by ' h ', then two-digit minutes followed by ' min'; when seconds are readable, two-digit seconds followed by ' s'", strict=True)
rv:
3 h 03 min 30 s
